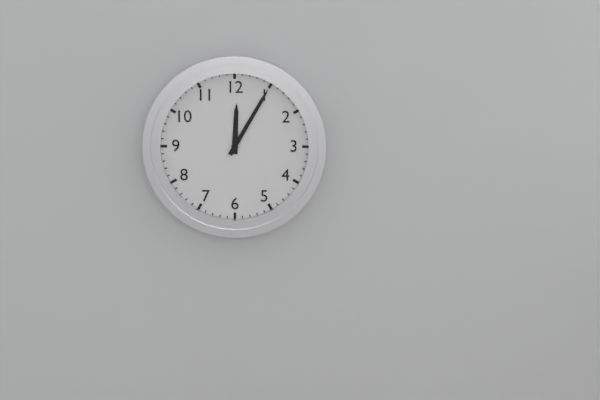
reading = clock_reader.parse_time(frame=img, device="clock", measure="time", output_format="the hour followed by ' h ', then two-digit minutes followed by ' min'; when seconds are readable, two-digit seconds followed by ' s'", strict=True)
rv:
12 h 05 min
